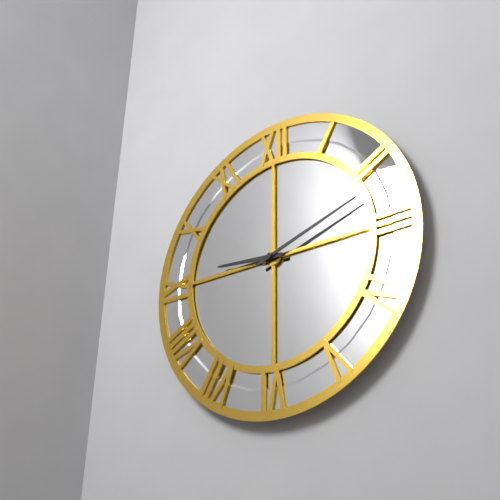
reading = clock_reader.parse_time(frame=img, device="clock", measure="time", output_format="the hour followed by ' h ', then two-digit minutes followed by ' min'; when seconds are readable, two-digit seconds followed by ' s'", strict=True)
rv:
9 h 12 min
